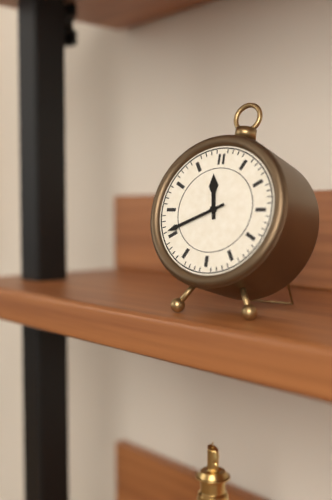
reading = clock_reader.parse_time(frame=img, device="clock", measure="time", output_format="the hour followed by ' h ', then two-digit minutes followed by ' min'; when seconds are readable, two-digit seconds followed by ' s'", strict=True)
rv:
11 h 41 min
